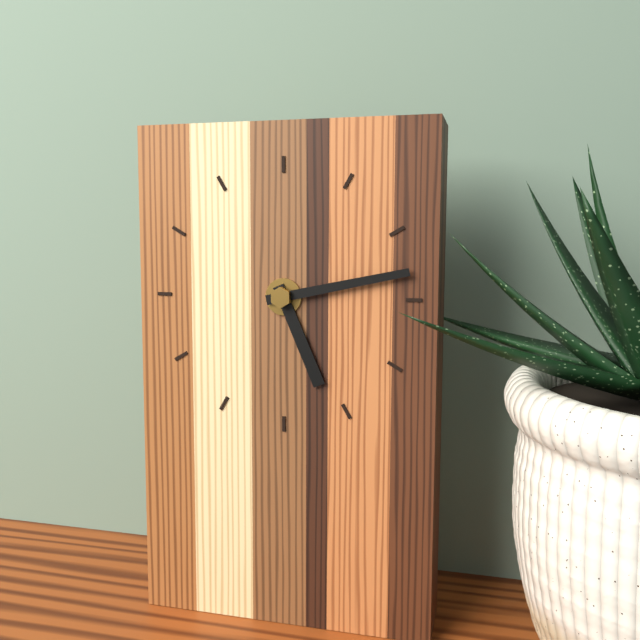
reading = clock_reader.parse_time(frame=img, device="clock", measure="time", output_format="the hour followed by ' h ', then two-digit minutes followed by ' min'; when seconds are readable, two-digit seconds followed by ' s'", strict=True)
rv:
5 h 13 min
